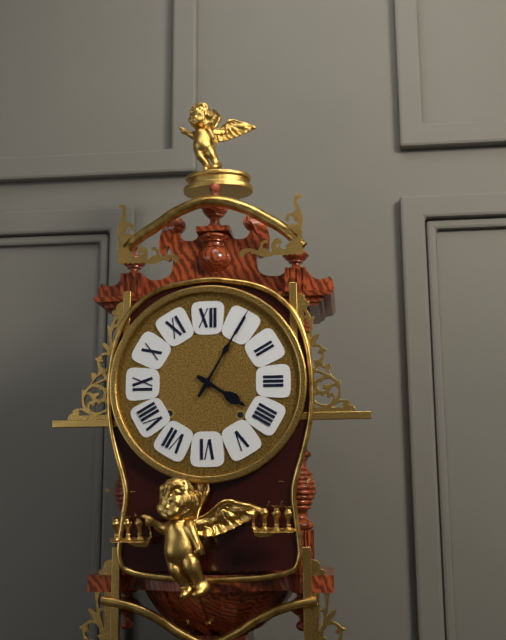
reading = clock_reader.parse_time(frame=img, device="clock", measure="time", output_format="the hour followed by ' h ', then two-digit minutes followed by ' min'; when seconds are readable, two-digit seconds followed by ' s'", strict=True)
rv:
4 h 05 min
